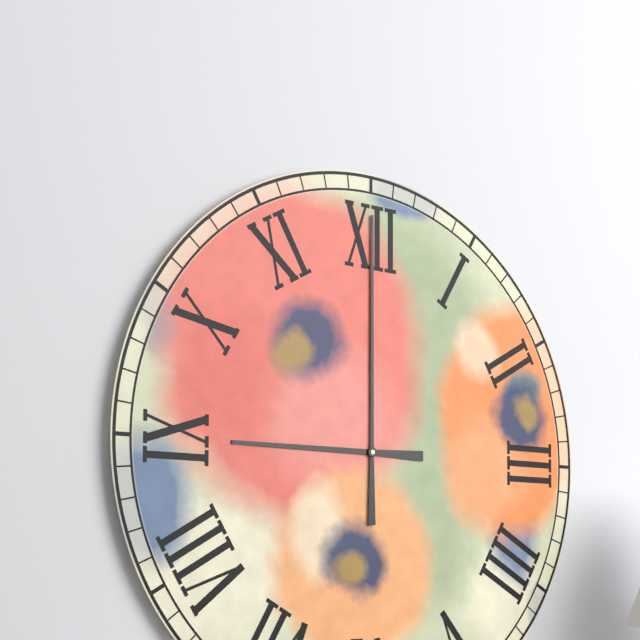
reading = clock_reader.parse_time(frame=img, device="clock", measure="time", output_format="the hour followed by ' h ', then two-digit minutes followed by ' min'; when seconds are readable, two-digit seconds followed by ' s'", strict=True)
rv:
9 h 00 min
